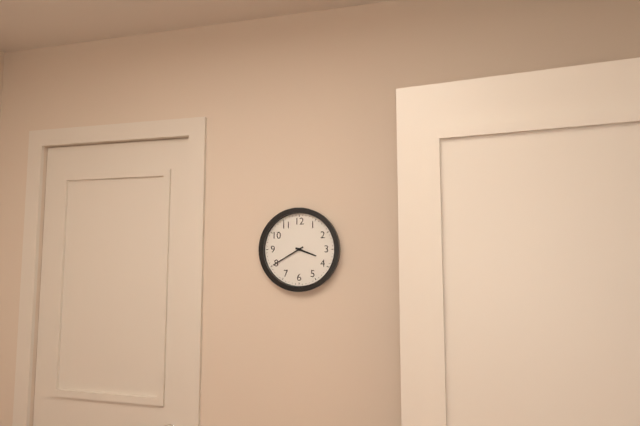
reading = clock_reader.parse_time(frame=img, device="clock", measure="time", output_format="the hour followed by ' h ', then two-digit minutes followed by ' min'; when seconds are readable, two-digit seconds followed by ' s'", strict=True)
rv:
3 h 40 min
